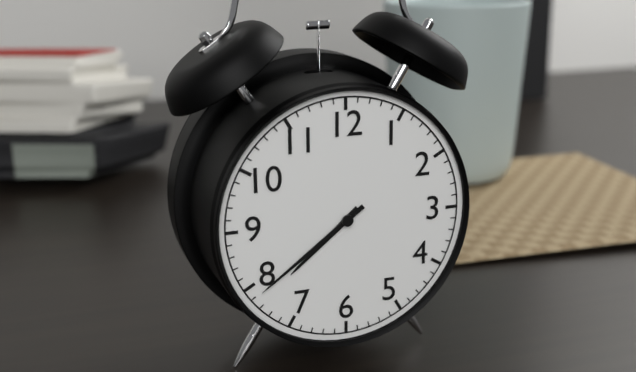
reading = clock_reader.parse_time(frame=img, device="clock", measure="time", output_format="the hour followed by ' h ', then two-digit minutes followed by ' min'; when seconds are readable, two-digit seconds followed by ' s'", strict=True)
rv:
7 h 39 min
